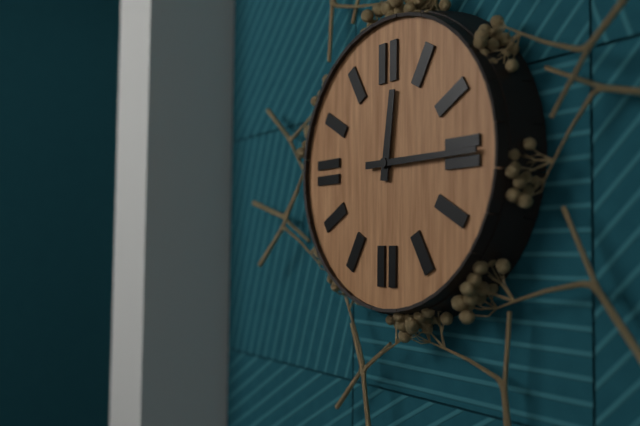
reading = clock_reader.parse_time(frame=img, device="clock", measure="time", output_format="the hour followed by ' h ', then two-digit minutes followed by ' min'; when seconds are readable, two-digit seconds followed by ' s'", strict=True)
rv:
12 h 15 min
